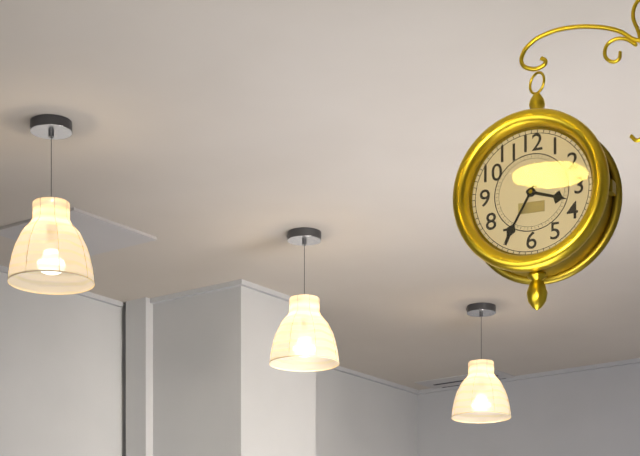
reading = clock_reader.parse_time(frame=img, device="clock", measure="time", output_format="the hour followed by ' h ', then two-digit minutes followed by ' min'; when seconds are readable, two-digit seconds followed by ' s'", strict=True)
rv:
3 h 35 min
